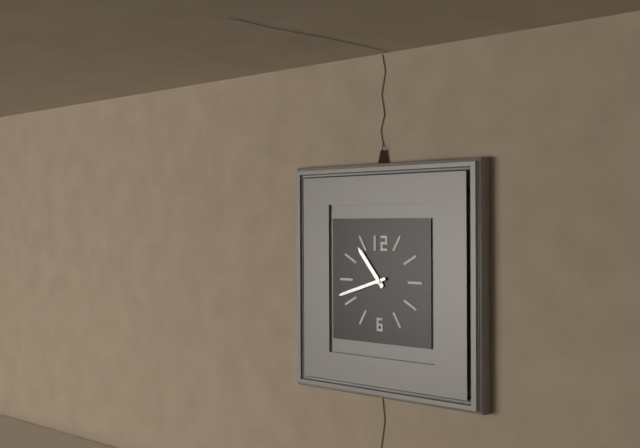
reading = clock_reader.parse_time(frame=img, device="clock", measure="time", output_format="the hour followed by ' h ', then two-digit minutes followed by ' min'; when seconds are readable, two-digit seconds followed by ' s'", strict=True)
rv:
10 h 42 min
